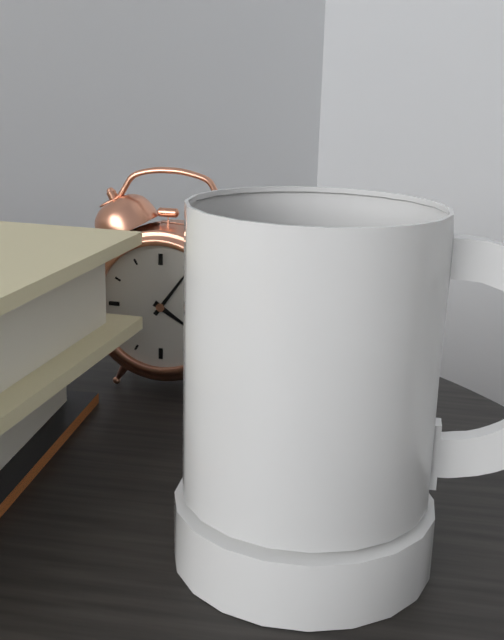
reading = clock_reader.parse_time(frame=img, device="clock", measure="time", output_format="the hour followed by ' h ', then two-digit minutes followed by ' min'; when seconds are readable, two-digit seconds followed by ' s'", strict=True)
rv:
4 h 06 min
